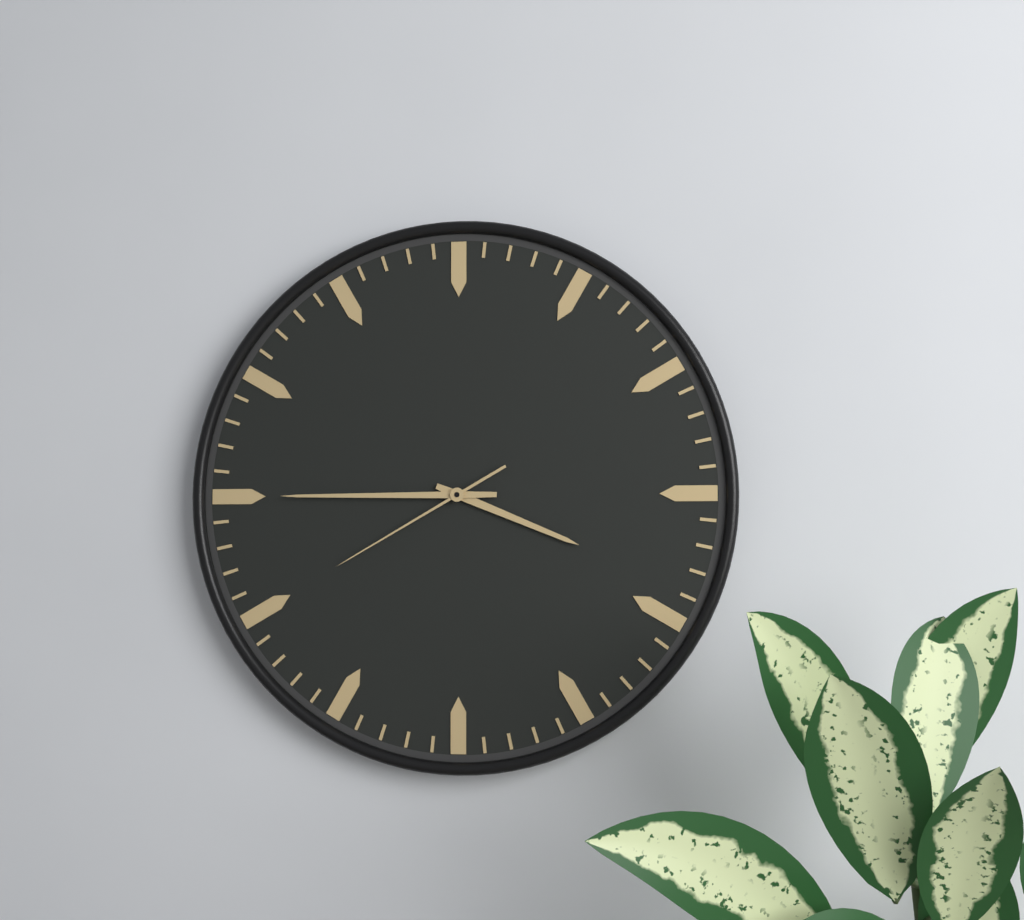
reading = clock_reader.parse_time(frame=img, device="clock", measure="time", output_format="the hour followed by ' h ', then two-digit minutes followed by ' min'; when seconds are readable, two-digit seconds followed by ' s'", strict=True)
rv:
3 h 45 min 40 s
